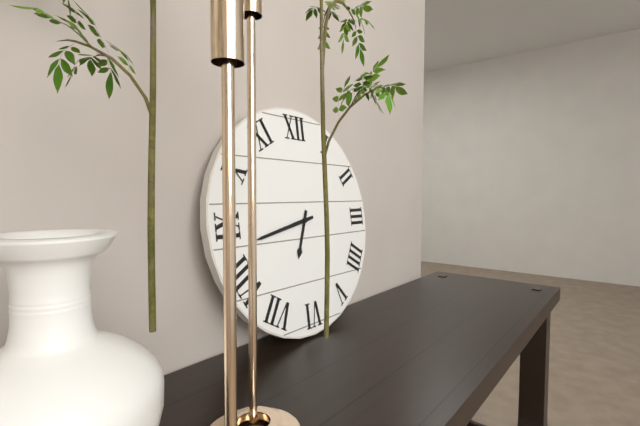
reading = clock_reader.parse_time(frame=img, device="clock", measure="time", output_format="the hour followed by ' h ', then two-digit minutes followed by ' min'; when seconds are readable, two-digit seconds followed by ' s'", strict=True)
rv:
6 h 43 min
